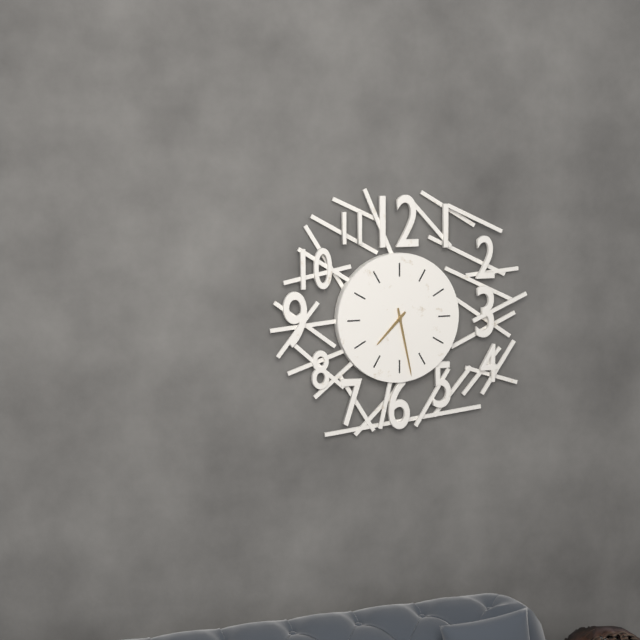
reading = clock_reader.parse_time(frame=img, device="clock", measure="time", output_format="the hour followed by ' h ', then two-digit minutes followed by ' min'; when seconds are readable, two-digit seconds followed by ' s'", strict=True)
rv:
7 h 28 min
